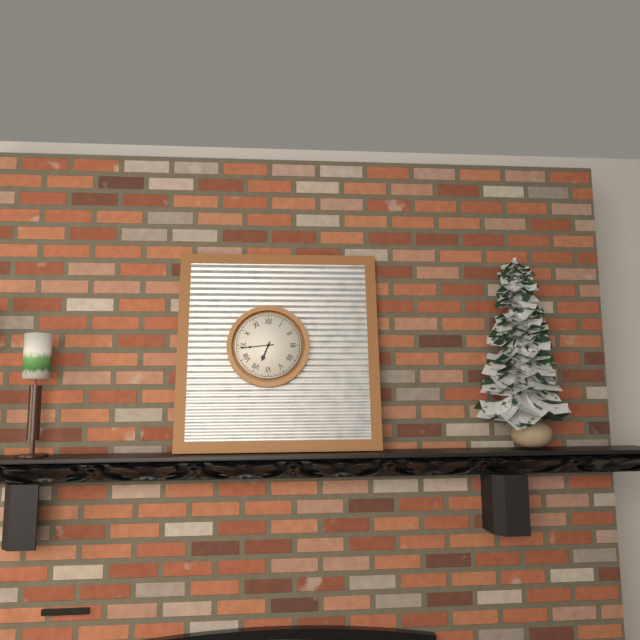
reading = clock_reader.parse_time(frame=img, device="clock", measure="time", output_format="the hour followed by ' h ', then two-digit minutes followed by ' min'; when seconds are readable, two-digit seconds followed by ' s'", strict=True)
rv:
6 h 44 min
